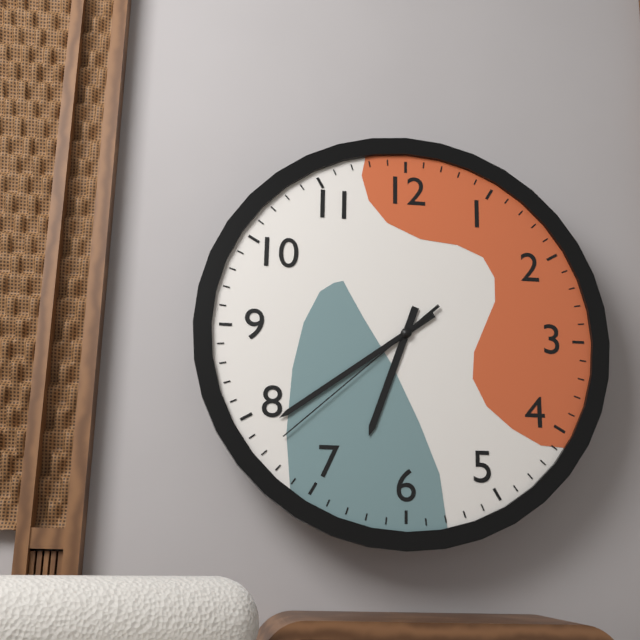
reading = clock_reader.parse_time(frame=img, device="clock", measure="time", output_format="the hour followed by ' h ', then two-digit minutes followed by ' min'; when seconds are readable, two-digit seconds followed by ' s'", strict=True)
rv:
6 h 39 min 38 s
